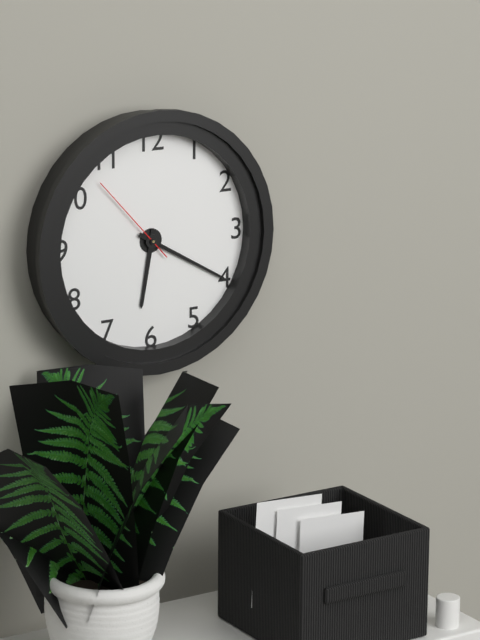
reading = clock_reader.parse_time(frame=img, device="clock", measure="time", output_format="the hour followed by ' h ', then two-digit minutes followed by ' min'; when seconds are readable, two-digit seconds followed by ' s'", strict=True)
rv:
6 h 20 min 53 s
